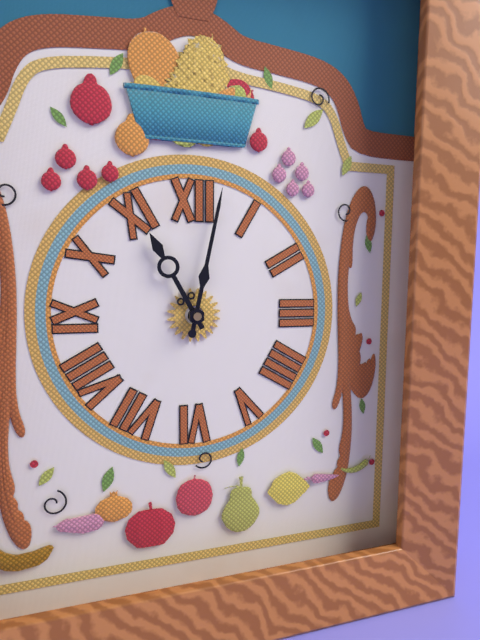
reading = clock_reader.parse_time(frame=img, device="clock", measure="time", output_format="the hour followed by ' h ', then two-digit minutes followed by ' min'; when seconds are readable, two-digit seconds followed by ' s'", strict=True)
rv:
11 h 02 min
